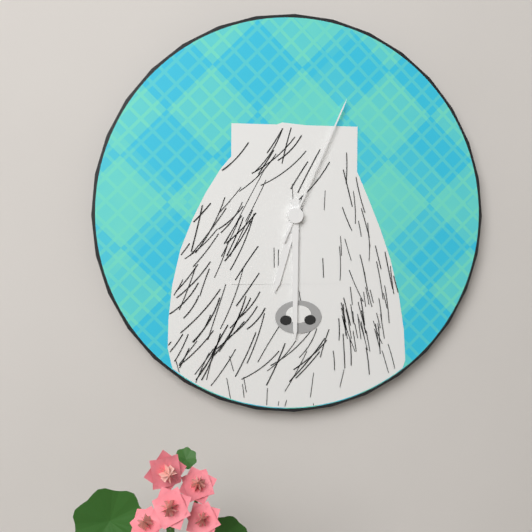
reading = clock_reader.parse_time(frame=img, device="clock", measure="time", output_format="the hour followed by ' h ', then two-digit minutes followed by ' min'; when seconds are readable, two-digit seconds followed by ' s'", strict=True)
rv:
6 h 30 min 04 s
